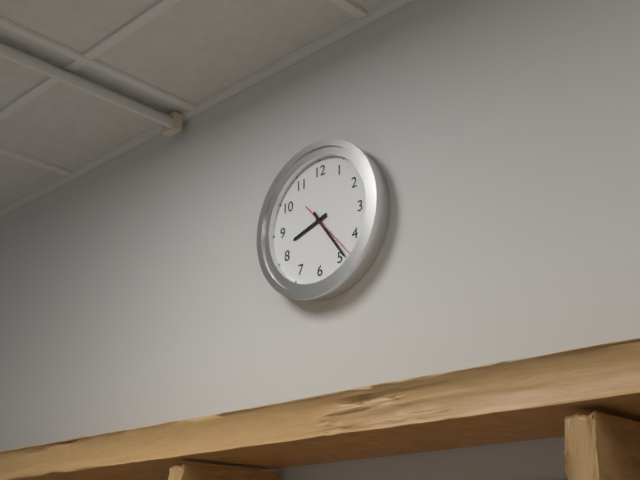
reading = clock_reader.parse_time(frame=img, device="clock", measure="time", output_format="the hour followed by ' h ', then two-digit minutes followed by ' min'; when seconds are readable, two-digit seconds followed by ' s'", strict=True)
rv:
8 h 24 min 23 s
